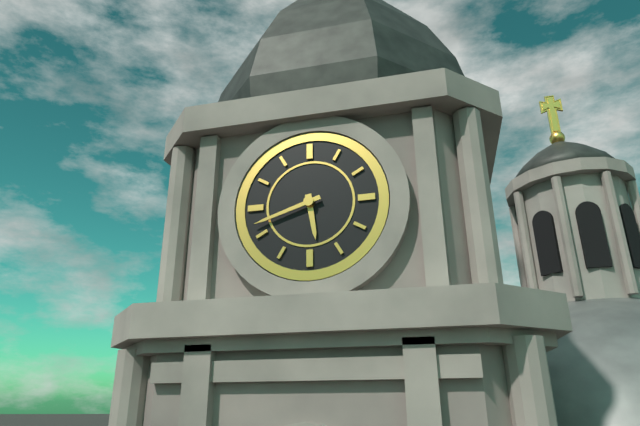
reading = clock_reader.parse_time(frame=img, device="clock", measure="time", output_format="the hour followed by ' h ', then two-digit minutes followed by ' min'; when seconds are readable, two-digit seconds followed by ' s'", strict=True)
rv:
5 h 42 min
